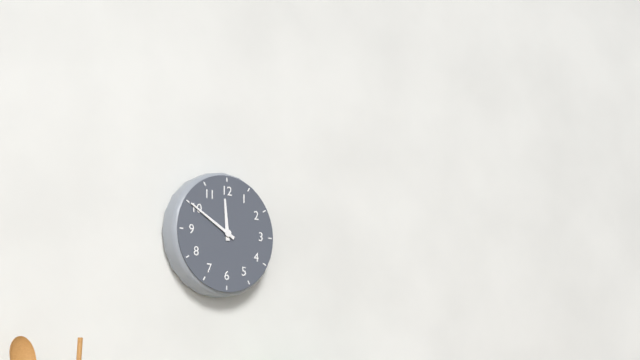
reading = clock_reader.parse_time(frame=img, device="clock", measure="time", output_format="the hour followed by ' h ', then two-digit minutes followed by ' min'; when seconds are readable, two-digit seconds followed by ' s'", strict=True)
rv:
11 h 50 min
